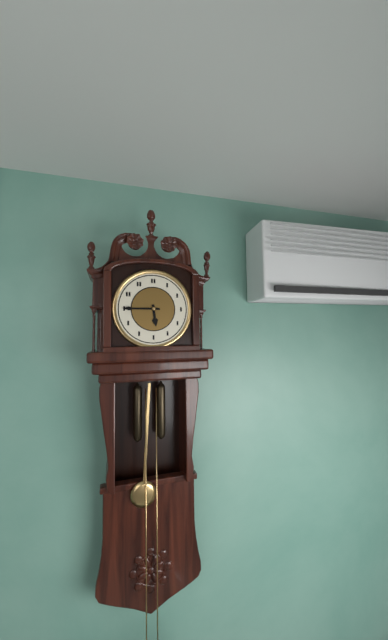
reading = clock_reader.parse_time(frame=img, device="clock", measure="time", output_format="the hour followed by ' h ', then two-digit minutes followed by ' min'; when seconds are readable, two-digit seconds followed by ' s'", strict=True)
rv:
5 h 45 min
